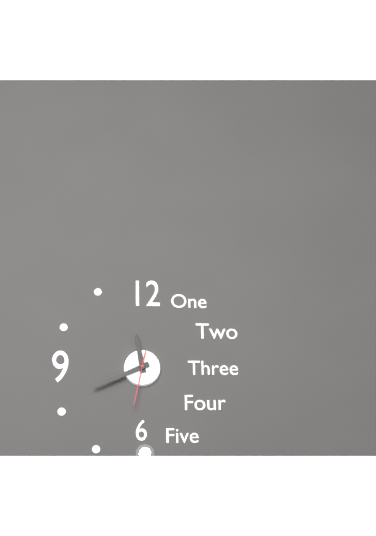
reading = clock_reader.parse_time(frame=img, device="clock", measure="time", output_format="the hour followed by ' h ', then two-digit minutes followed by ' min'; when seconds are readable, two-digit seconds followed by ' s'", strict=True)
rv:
11 h 41 min 32 s
